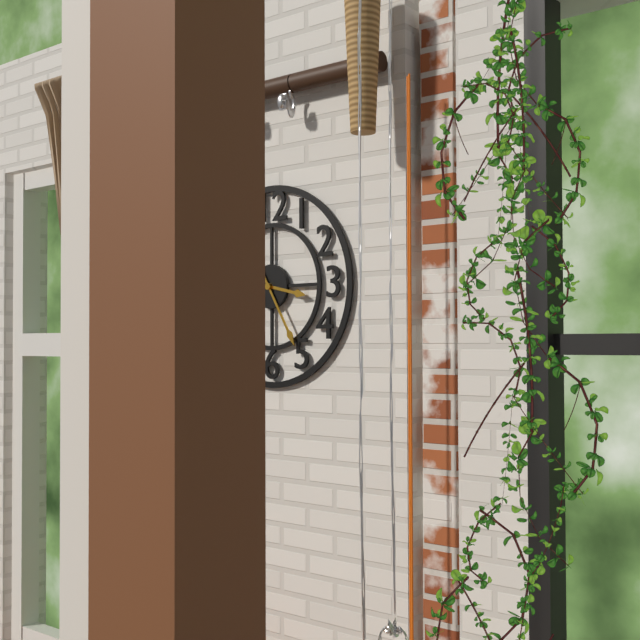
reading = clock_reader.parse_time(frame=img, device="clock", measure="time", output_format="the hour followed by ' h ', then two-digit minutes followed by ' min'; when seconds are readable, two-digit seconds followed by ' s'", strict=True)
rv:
3 h 25 min
